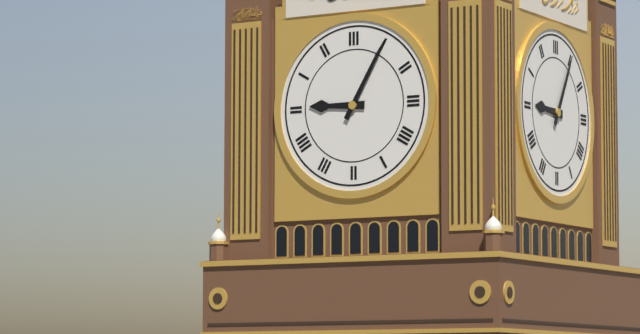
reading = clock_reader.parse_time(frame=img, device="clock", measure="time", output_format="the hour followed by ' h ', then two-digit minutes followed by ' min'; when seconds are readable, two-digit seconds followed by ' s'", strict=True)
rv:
9 h 05 min
